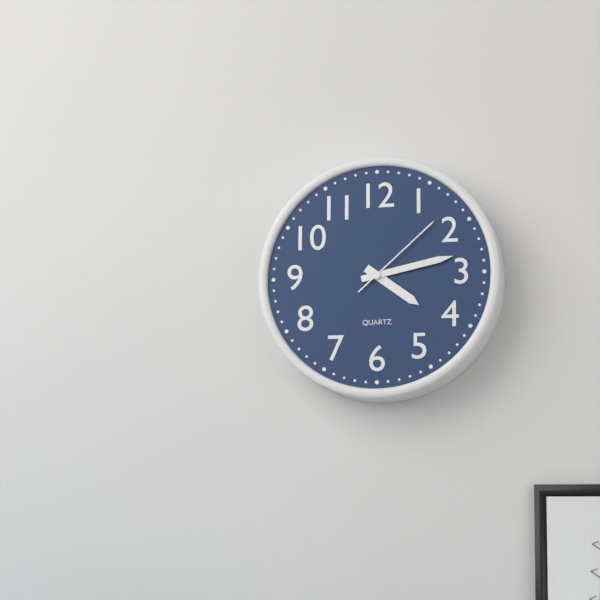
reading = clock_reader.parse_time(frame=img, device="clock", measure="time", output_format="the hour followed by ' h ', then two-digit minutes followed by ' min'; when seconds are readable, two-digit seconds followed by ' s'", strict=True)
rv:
4 h 13 min 08 s
